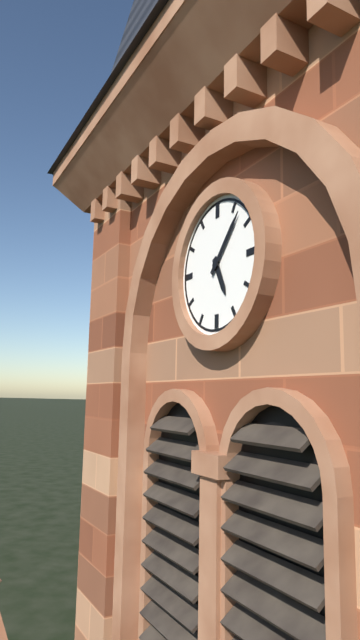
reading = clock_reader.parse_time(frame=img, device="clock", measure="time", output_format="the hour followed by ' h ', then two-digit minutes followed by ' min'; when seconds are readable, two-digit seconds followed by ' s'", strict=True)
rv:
5 h 07 min
